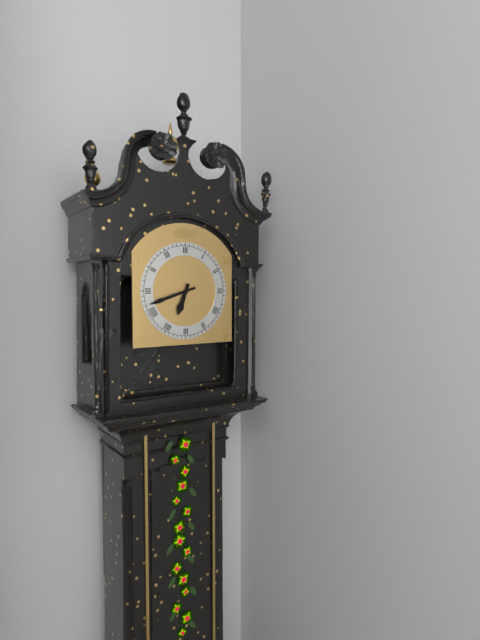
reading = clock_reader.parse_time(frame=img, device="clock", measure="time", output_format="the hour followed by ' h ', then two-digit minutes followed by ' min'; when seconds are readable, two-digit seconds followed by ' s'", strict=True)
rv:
6 h 42 min
